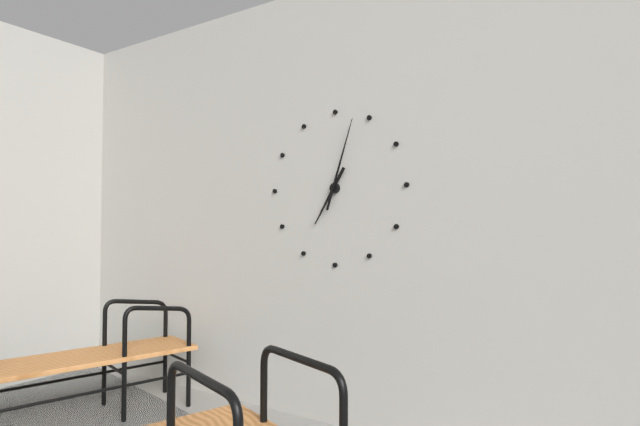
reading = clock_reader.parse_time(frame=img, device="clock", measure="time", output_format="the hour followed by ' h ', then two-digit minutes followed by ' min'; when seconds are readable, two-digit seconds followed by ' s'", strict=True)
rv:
7 h 03 min
